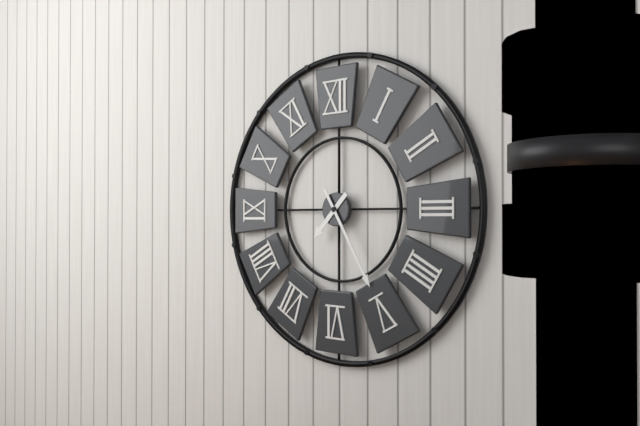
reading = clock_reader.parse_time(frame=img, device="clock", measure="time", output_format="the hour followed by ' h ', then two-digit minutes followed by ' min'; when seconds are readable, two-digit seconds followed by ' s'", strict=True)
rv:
7 h 25 min
